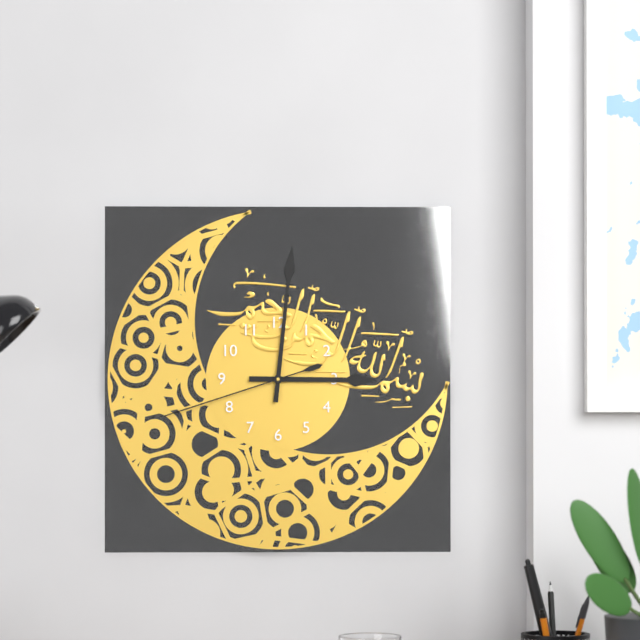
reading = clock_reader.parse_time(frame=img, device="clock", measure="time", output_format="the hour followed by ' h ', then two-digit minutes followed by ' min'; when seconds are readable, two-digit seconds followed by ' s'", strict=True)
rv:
3 h 01 min 42 s
